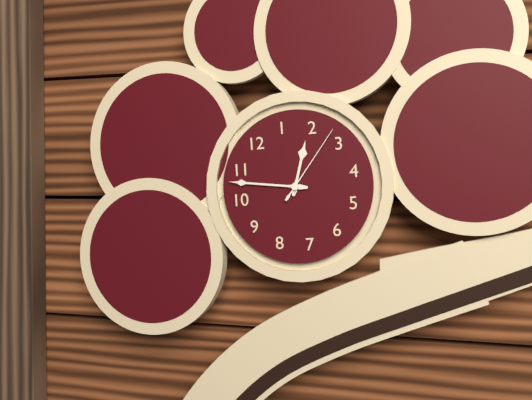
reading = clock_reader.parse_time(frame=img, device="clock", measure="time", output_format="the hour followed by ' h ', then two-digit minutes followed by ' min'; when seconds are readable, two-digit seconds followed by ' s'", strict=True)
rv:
1 h 53 min 13 s
